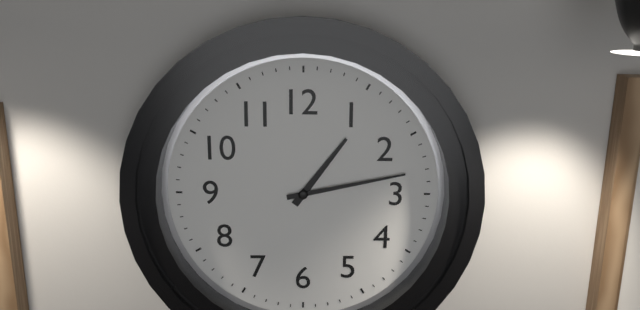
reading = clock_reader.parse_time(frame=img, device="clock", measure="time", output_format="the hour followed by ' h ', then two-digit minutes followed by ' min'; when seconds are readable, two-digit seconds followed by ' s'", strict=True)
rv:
1 h 13 min
